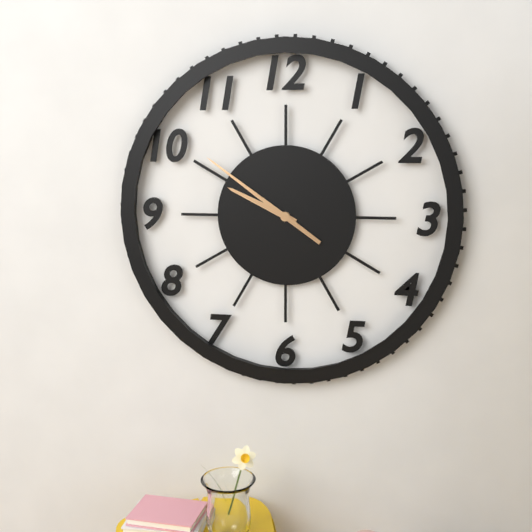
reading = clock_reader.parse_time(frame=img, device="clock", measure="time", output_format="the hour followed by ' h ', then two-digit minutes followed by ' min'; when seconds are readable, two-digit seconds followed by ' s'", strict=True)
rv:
9 h 51 min
